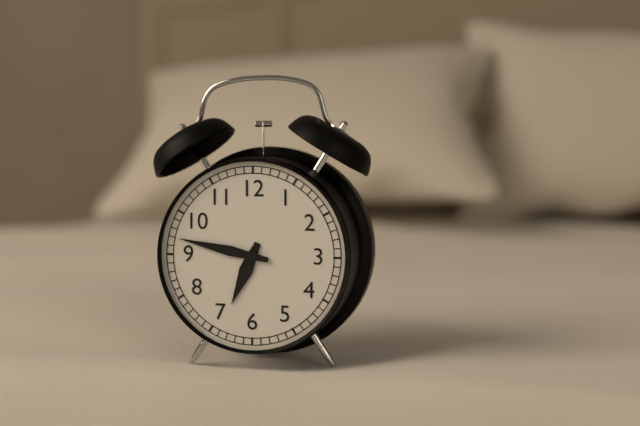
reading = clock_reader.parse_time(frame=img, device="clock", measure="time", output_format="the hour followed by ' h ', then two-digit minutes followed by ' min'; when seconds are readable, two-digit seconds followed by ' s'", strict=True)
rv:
6 h 47 min
